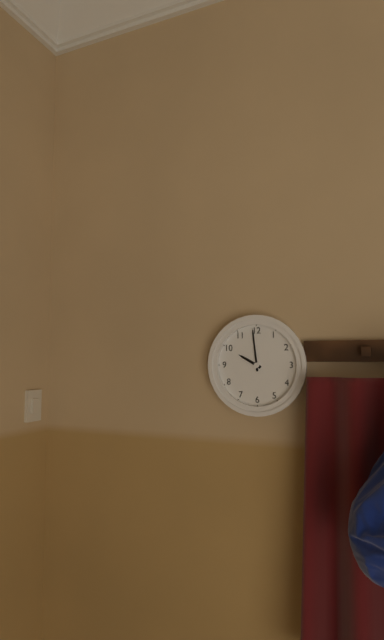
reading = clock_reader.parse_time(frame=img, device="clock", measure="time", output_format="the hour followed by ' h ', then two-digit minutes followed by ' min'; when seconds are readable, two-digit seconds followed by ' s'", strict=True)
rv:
9 h 59 min
